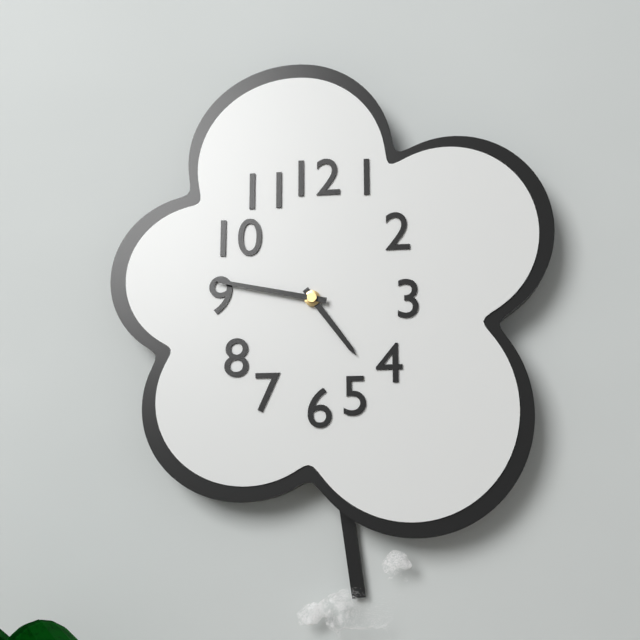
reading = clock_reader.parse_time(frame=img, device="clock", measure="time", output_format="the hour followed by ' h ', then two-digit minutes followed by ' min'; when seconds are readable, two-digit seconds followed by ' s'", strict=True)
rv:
4 h 47 min
